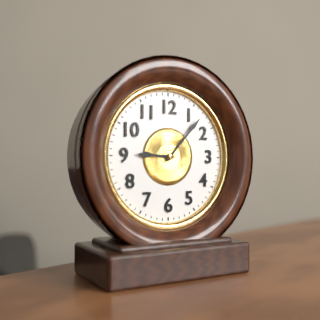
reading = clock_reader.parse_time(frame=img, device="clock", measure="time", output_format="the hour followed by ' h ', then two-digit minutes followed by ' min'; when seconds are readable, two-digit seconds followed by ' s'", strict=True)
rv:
9 h 07 min
